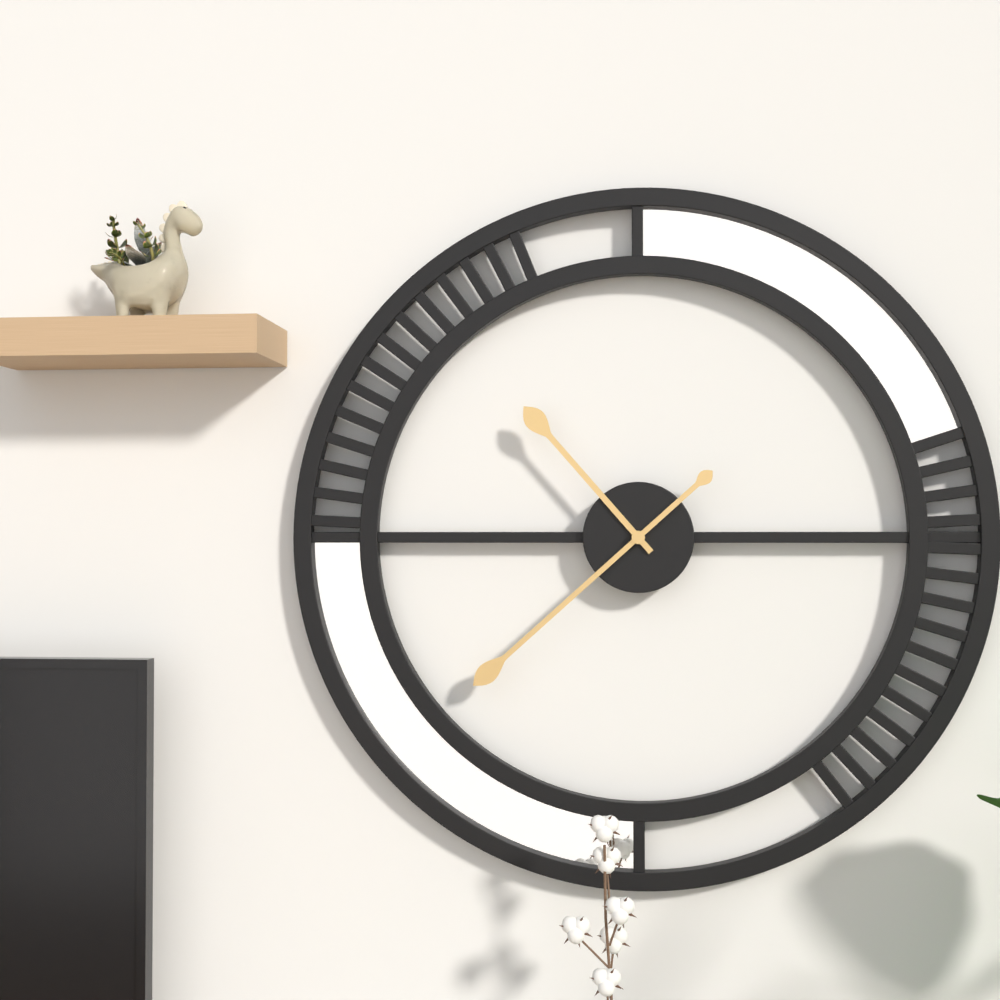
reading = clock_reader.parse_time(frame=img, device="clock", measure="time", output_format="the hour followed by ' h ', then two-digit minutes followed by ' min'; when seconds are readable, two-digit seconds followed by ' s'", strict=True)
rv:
10 h 38 min
